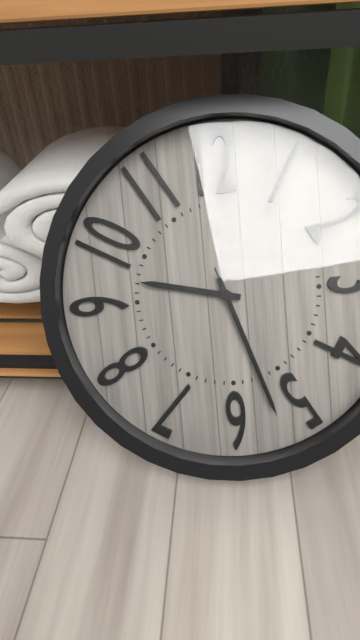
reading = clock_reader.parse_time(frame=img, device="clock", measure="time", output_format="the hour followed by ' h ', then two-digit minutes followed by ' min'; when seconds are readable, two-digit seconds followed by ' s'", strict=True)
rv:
9 h 27 min 27 s
